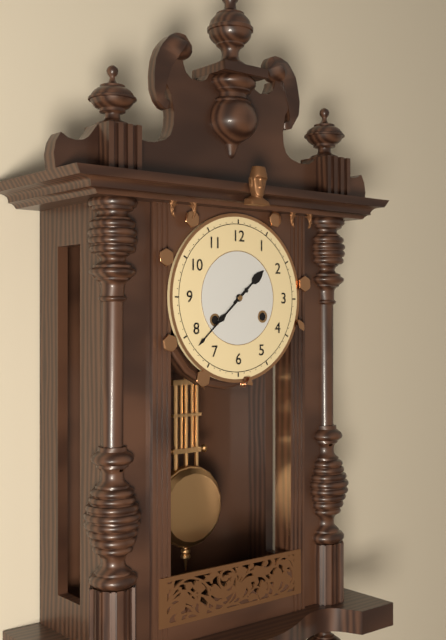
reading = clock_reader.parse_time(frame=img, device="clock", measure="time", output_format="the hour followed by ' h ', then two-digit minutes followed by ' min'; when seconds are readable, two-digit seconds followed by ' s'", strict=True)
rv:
1 h 38 min
